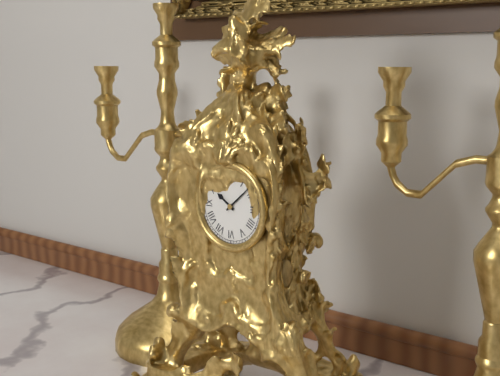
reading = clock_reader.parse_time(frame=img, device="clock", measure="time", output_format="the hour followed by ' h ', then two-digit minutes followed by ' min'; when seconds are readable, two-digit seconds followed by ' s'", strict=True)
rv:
10 h 08 min
